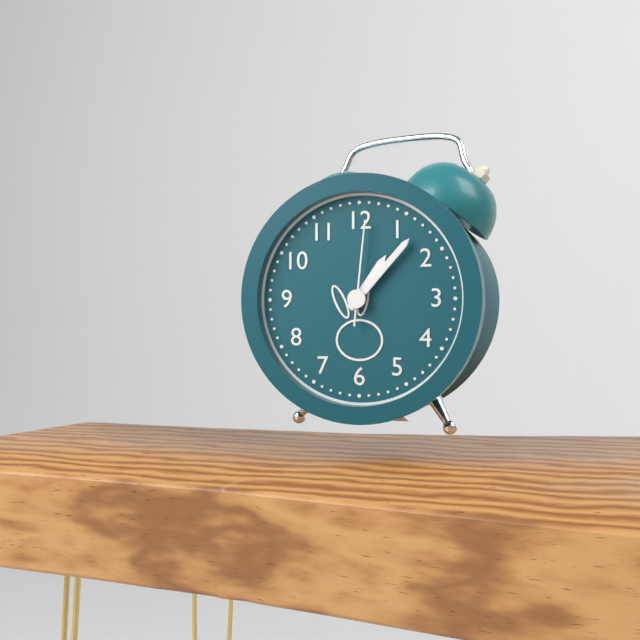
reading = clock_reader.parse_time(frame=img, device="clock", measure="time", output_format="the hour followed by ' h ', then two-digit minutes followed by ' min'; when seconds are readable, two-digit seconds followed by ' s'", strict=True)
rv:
1 h 07 min 01 s
